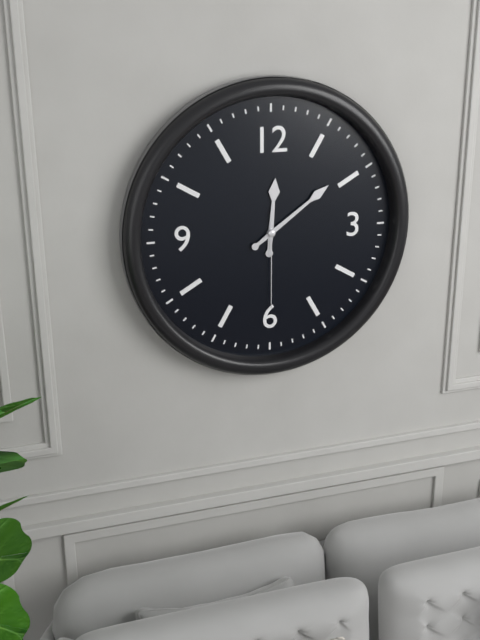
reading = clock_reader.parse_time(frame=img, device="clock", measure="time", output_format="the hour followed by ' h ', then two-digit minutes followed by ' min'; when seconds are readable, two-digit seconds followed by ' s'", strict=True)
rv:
12 h 09 min 30 s
